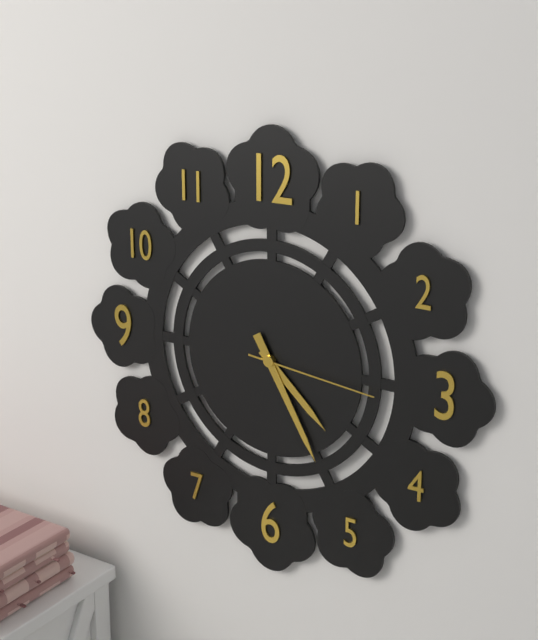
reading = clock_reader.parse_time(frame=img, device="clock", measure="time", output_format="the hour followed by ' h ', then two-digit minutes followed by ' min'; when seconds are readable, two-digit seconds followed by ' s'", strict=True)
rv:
4 h 25 min 16 s
